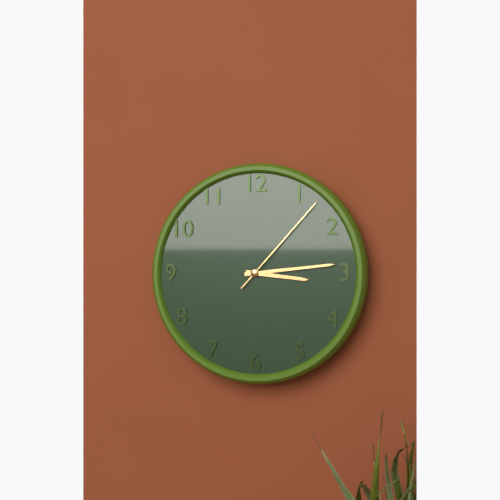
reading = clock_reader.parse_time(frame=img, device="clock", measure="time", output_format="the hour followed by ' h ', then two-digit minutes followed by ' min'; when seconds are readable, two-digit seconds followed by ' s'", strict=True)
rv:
3 h 14 min 07 s
